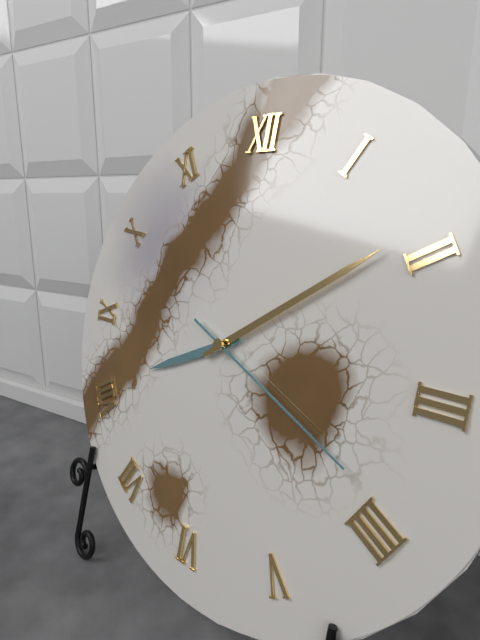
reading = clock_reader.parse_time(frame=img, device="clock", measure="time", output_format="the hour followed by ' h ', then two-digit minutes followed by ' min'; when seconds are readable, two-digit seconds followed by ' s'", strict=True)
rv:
8 h 09 min 19 s
